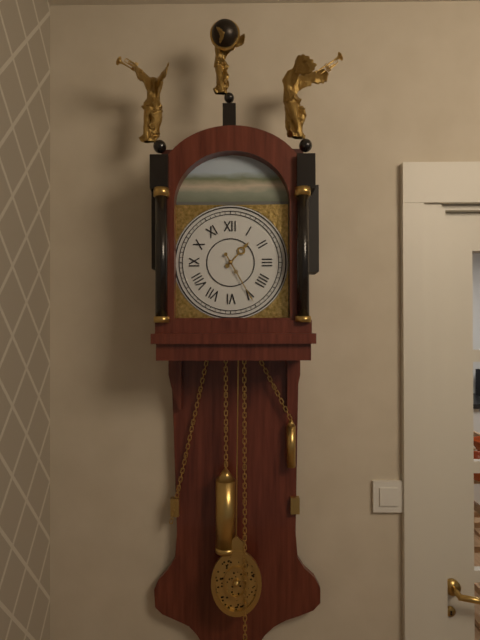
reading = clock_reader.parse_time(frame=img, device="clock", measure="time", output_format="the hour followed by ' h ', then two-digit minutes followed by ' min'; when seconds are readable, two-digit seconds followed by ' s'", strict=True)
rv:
1 h 25 min
